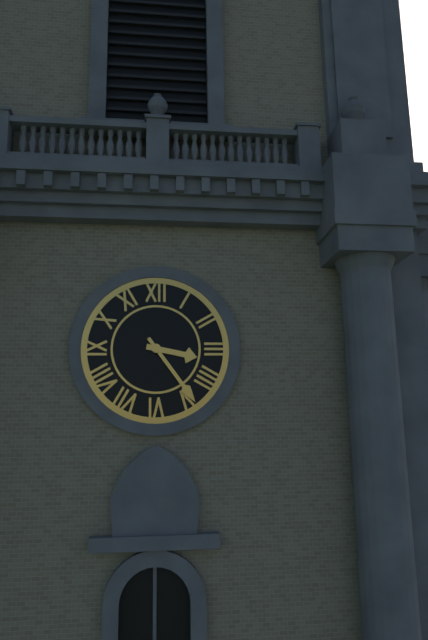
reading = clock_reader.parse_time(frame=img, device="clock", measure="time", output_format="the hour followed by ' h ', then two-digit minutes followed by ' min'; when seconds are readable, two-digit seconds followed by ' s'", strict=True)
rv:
3 h 24 min
